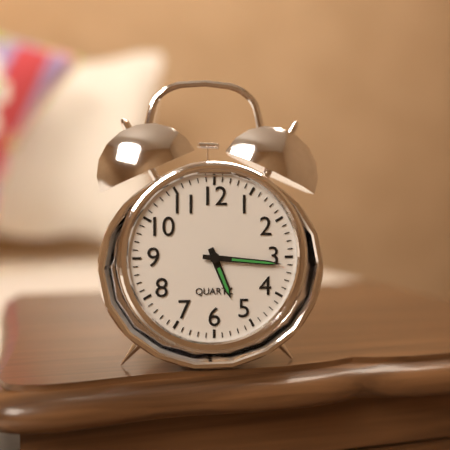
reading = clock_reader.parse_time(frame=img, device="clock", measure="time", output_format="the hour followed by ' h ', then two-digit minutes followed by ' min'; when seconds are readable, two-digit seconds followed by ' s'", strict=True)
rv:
5 h 16 min
